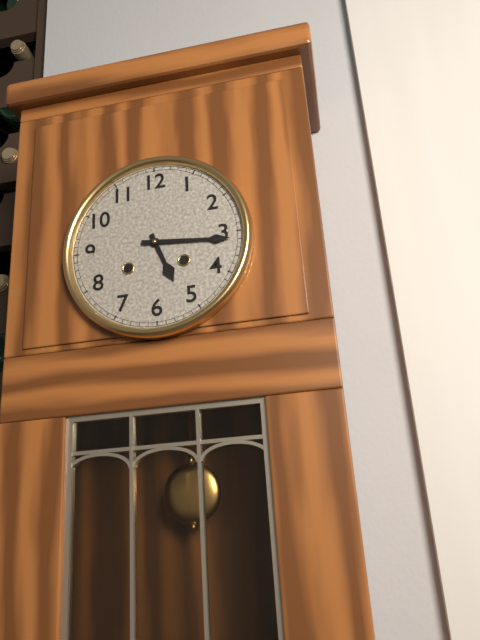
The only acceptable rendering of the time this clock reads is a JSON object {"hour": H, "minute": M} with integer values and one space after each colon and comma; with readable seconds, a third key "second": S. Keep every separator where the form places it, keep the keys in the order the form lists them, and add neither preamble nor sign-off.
{"hour": 5, "minute": 16}
